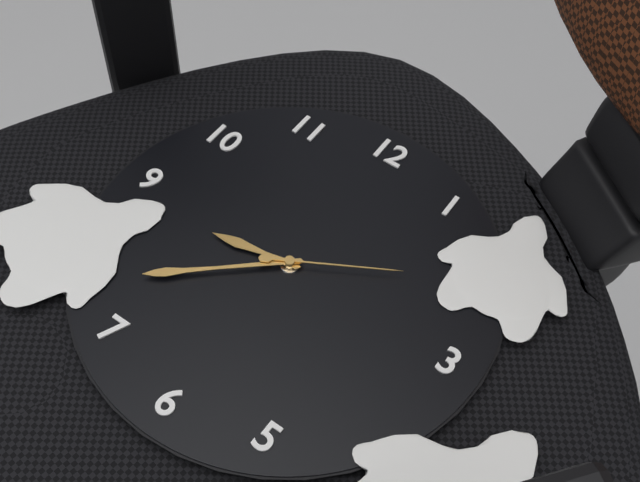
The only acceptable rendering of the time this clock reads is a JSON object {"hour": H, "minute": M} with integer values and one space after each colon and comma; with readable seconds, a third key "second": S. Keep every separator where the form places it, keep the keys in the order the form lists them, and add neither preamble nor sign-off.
{"hour": 8, "minute": 38, "second": 10}
